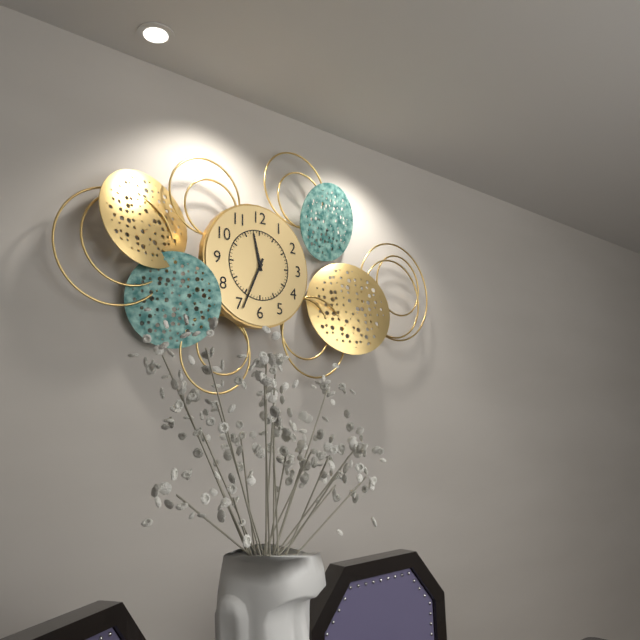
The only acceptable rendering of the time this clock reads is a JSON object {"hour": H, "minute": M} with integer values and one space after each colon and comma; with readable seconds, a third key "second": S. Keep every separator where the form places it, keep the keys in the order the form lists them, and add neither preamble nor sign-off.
{"hour": 11, "minute": 34}
